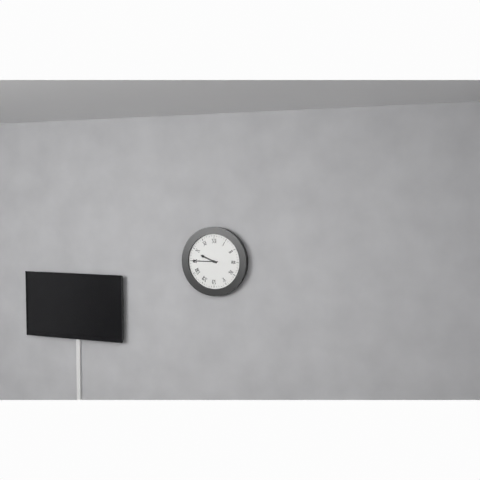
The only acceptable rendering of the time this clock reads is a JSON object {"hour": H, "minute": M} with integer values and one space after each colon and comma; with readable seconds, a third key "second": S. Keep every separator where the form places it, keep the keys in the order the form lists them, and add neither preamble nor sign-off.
{"hour": 9, "minute": 45}
